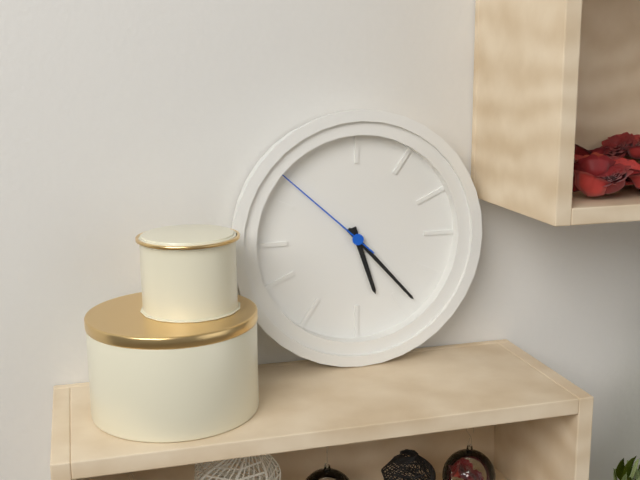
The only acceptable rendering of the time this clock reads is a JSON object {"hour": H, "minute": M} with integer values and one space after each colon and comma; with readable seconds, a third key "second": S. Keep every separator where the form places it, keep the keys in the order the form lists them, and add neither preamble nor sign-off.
{"hour": 5, "minute": 23, "second": 52}
